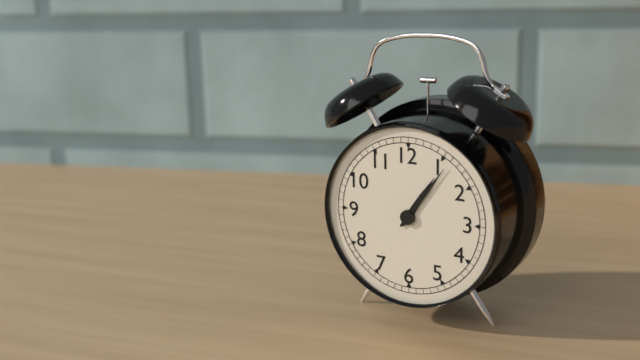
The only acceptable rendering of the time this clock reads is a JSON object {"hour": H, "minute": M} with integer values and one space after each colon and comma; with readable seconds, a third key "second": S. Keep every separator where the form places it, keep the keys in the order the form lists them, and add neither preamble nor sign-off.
{"hour": 1, "minute": 6}
